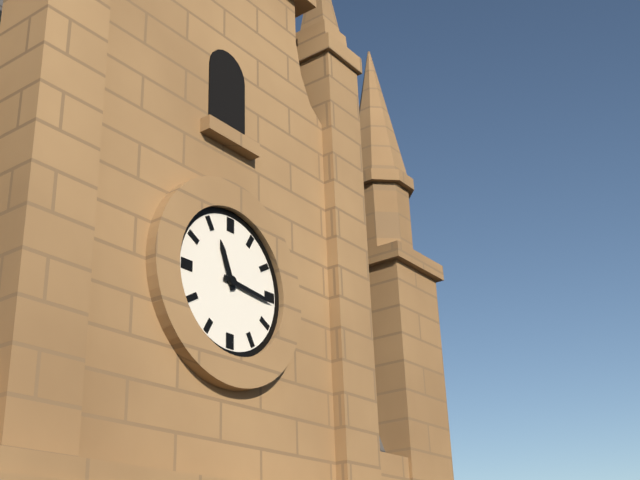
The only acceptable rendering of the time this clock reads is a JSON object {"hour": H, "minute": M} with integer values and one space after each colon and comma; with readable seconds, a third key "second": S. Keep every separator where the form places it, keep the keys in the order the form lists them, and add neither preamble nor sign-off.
{"hour": 11, "minute": 16}
